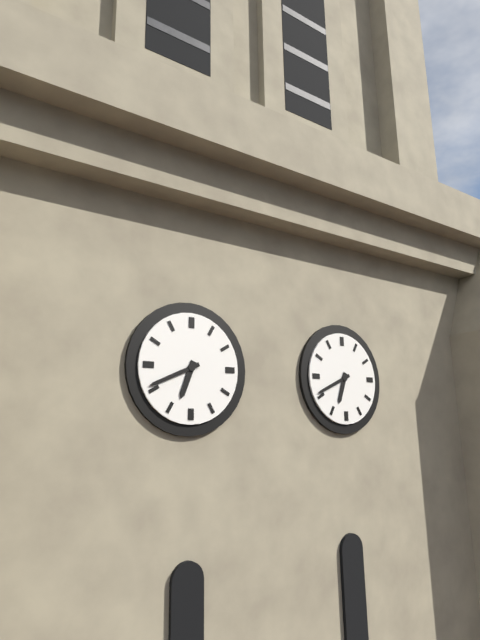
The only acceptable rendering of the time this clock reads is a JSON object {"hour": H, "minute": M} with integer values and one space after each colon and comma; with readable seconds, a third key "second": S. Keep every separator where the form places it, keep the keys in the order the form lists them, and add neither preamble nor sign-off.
{"hour": 6, "minute": 41}
